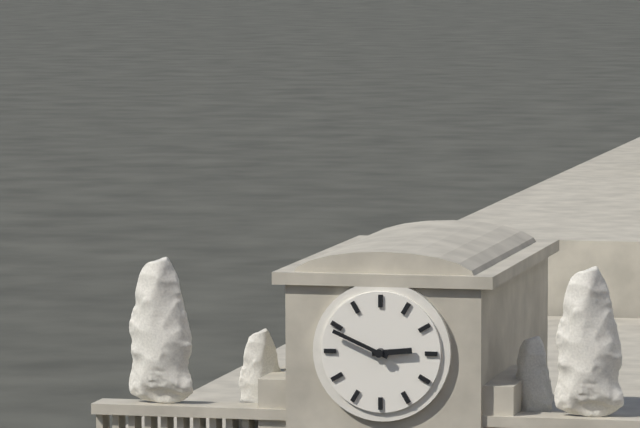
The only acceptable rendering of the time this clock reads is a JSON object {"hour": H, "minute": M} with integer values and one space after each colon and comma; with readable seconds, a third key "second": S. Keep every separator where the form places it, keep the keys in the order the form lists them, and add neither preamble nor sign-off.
{"hour": 2, "minute": 49}
